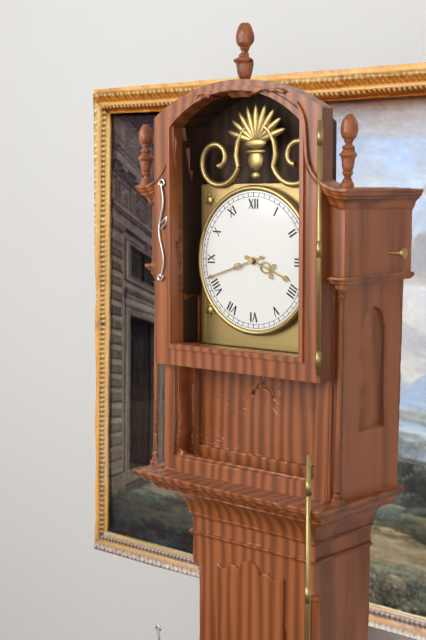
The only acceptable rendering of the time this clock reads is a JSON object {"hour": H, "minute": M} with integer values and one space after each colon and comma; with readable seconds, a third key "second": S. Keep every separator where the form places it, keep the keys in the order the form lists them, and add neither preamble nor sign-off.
{"hour": 3, "minute": 42}
